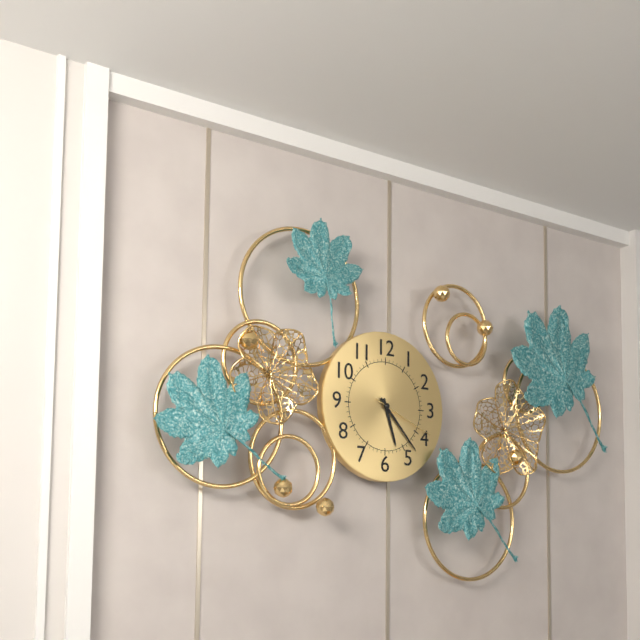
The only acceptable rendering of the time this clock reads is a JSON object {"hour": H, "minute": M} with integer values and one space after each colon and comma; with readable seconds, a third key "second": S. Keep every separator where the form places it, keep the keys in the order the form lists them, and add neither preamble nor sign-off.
{"hour": 5, "minute": 23, "second": 19}
